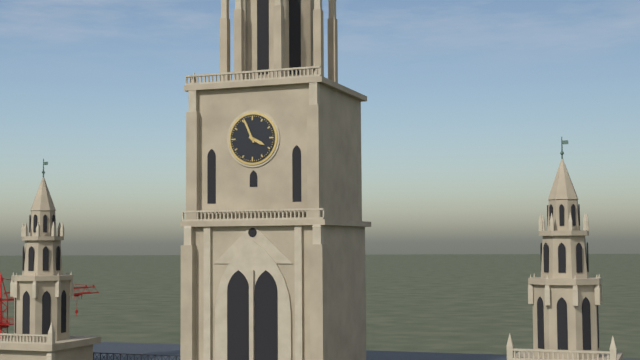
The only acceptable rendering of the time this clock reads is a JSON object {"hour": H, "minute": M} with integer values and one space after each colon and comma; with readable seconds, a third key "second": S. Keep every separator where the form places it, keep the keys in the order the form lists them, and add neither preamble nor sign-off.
{"hour": 3, "minute": 56}
